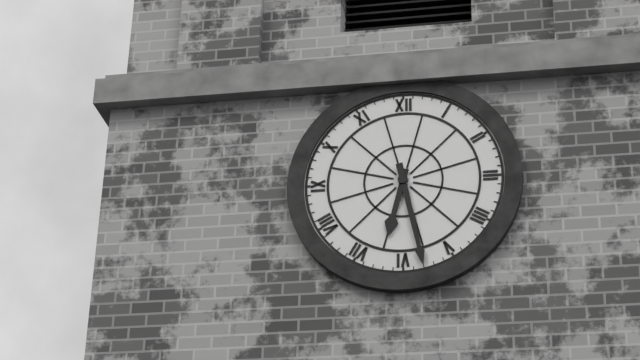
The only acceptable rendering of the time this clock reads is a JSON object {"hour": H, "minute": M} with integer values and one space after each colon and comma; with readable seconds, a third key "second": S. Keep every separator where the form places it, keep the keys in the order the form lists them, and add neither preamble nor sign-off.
{"hour": 6, "minute": 28}
